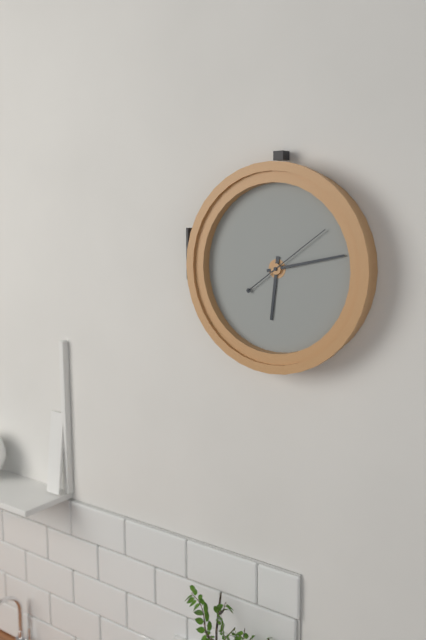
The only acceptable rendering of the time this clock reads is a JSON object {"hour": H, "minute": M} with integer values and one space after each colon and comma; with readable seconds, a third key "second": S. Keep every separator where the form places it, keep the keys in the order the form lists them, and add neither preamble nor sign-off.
{"hour": 6, "minute": 13, "second": 9}
